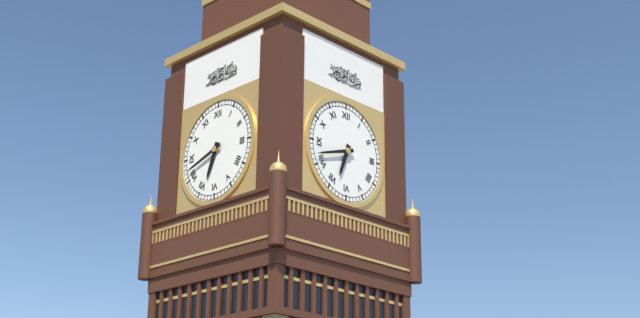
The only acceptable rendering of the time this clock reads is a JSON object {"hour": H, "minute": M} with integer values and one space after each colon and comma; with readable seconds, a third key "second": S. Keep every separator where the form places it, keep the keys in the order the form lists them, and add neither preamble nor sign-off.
{"hour": 6, "minute": 42}
